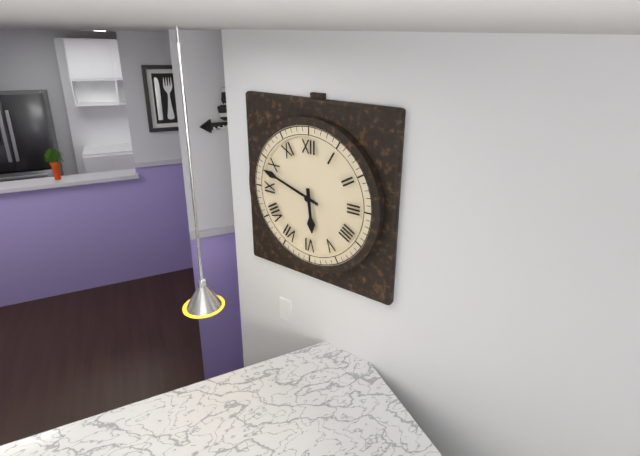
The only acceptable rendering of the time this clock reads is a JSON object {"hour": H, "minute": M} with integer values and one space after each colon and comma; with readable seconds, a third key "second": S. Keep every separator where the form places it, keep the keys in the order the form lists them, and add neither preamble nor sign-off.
{"hour": 5, "minute": 48}
